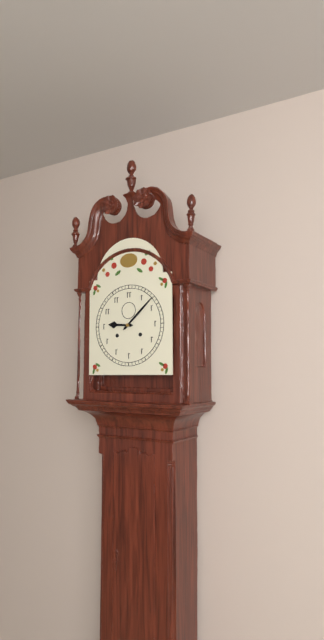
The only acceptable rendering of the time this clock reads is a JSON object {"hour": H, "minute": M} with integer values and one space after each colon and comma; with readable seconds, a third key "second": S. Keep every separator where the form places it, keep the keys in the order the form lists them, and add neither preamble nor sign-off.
{"hour": 9, "minute": 8}
